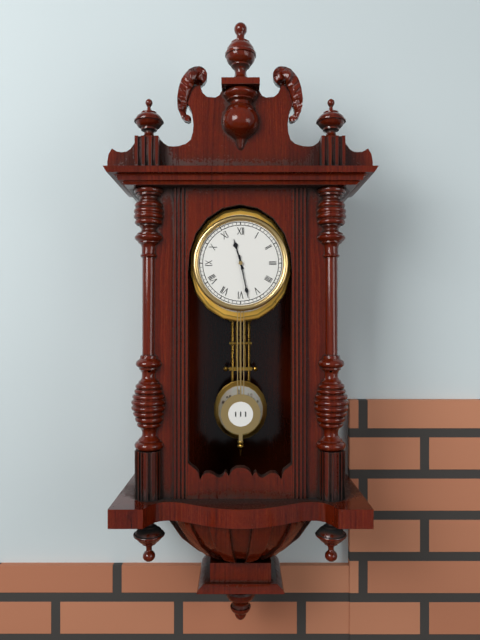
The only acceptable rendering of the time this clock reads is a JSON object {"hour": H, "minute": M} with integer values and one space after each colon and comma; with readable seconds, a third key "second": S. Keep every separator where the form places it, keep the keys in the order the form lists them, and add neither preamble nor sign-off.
{"hour": 11, "minute": 28}
